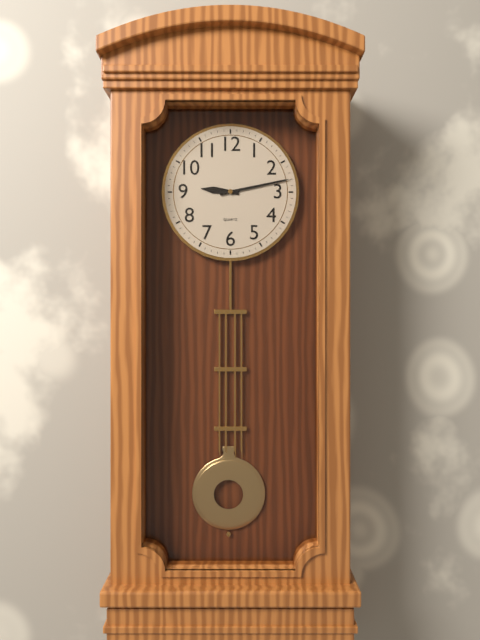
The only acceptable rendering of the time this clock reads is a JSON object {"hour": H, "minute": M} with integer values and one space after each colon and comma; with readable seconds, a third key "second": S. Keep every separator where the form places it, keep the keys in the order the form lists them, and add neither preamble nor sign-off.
{"hour": 9, "minute": 13}
